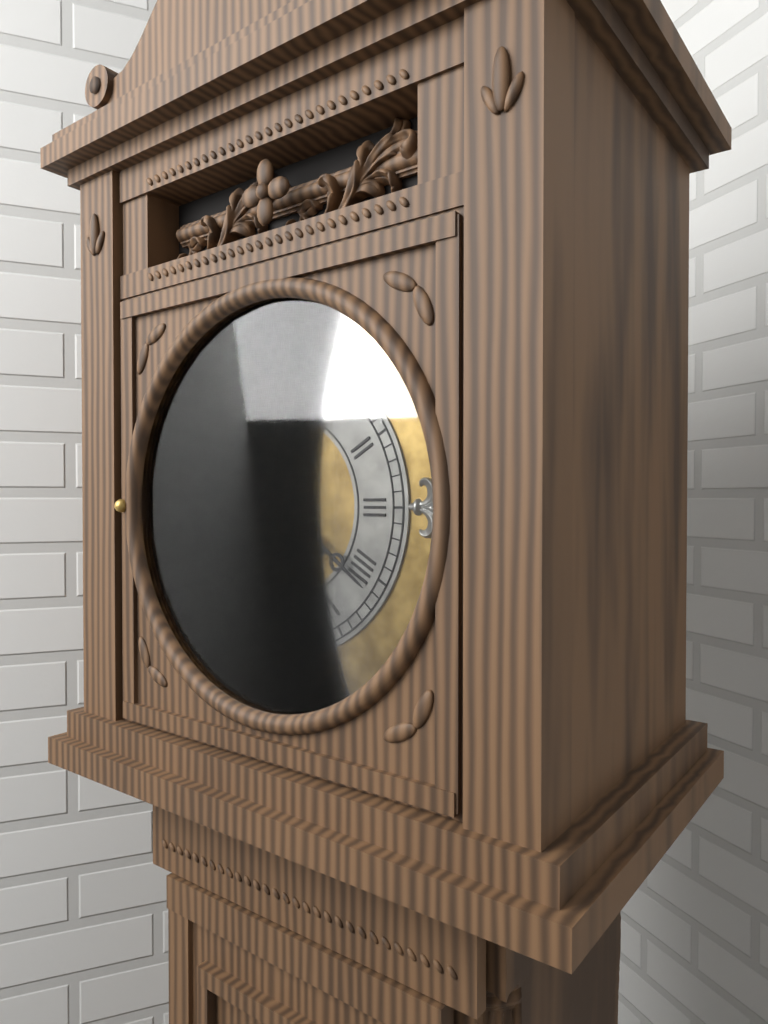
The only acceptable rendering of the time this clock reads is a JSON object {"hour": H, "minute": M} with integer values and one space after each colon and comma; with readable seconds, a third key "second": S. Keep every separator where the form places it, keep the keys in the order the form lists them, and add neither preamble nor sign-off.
{"hour": 5, "minute": 21}
